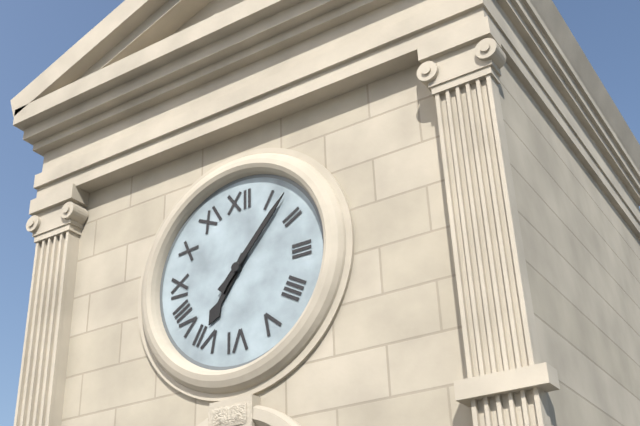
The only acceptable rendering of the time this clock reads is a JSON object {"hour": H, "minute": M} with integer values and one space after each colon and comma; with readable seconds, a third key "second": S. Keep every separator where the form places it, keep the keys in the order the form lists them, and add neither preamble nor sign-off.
{"hour": 7, "minute": 7}
